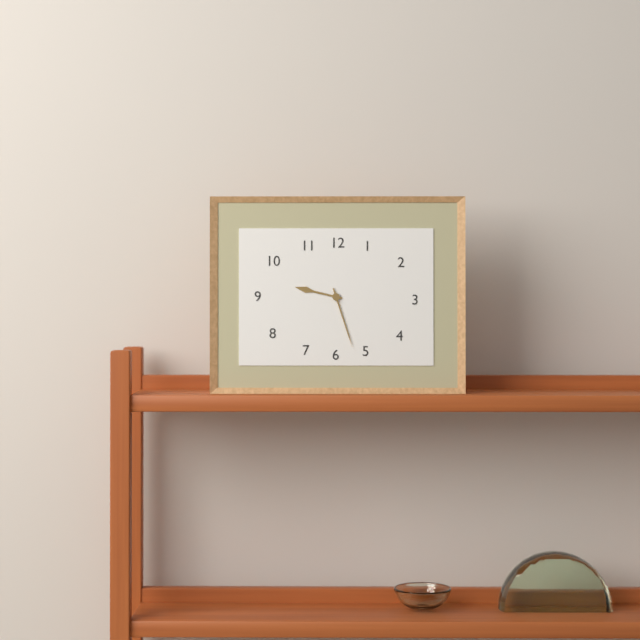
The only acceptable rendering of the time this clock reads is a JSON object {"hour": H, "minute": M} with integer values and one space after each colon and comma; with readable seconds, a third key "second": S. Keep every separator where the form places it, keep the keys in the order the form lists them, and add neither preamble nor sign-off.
{"hour": 9, "minute": 27}
